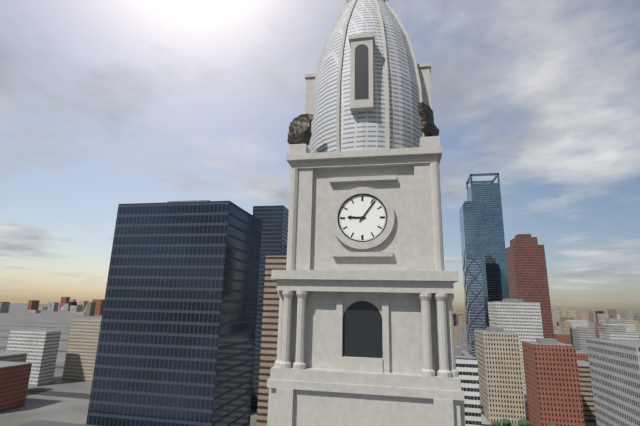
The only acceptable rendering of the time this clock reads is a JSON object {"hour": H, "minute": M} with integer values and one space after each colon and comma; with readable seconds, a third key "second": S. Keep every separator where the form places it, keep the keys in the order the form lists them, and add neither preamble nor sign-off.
{"hour": 9, "minute": 6}
